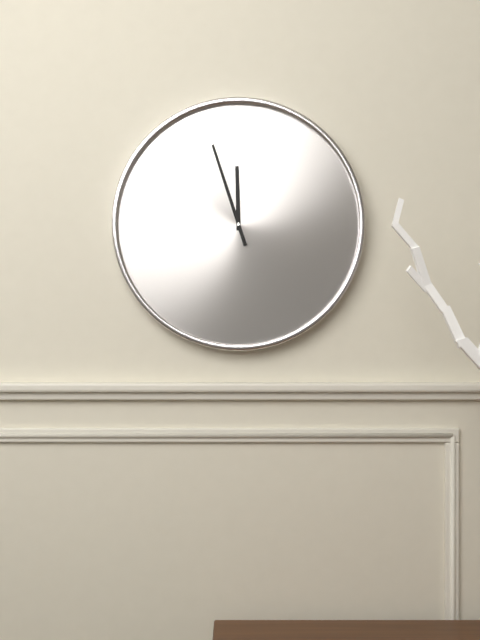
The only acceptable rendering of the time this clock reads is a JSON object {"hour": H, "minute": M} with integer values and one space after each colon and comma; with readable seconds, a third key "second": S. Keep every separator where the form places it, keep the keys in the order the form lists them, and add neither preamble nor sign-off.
{"hour": 11, "minute": 57}
